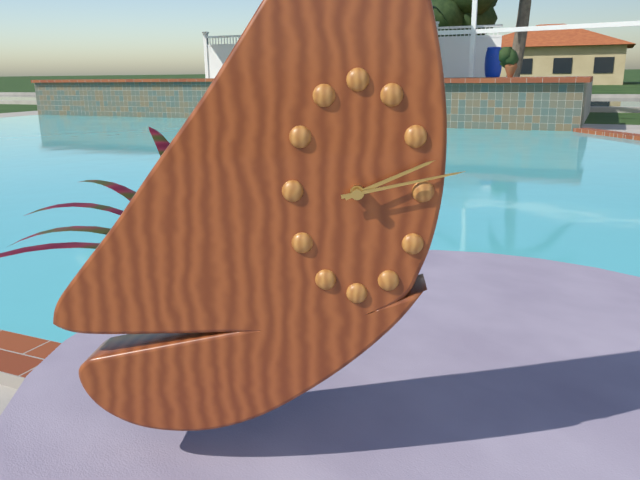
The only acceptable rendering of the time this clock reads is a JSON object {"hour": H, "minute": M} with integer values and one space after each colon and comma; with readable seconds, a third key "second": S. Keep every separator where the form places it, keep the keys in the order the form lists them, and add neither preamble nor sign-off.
{"hour": 2, "minute": 13}
